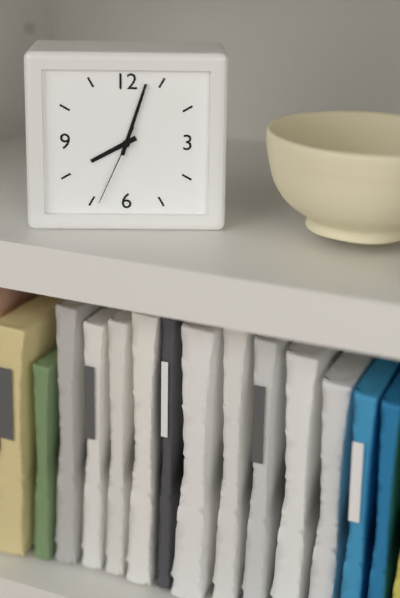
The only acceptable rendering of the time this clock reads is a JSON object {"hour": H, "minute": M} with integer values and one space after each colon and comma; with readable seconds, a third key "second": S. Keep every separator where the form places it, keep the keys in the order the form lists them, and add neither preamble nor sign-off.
{"hour": 8, "minute": 3, "second": 34}
